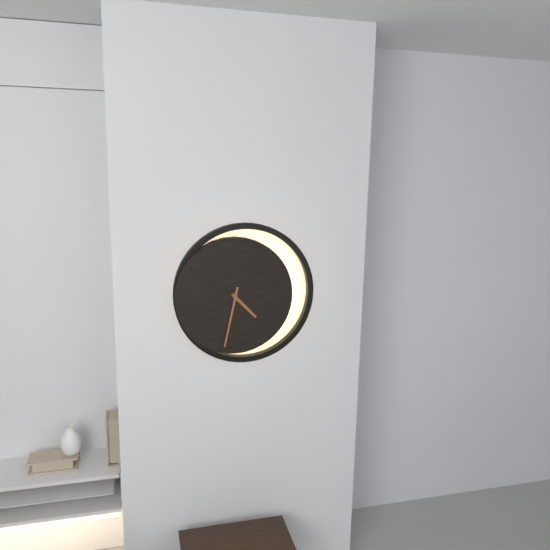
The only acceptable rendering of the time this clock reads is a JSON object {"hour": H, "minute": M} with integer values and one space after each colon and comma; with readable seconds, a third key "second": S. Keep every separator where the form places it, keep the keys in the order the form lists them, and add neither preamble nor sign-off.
{"hour": 4, "minute": 32}
